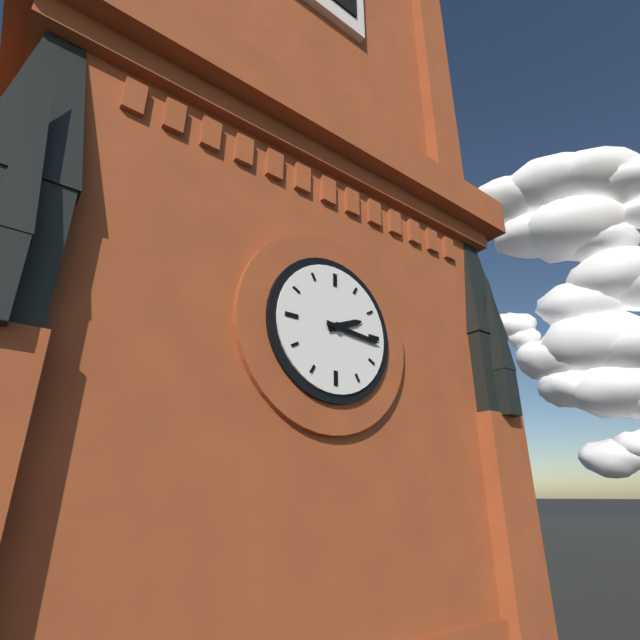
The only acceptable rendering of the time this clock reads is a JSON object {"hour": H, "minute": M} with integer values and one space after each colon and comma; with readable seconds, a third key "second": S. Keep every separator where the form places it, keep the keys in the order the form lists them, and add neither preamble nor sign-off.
{"hour": 2, "minute": 16}
